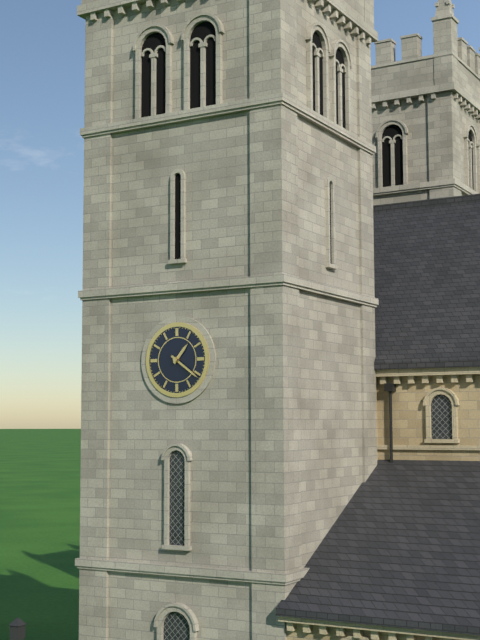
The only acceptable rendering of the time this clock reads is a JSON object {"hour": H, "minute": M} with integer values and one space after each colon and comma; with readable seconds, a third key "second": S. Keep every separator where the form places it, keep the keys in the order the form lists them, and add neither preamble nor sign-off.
{"hour": 1, "minute": 21}
